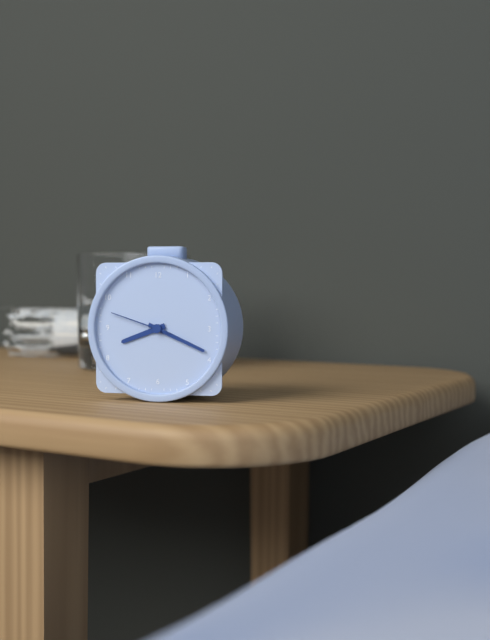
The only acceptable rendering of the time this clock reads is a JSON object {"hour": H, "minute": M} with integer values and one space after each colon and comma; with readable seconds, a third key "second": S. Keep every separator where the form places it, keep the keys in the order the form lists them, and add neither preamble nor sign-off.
{"hour": 8, "minute": 19, "second": 48}
